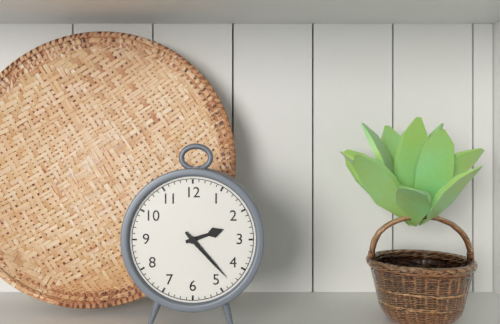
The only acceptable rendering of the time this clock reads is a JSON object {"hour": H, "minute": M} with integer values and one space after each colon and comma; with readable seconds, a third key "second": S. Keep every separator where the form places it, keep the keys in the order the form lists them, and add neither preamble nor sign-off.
{"hour": 2, "minute": 23}
